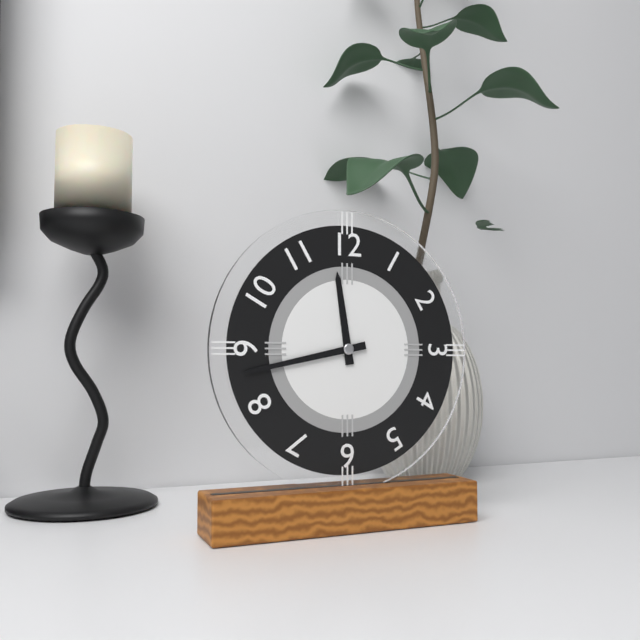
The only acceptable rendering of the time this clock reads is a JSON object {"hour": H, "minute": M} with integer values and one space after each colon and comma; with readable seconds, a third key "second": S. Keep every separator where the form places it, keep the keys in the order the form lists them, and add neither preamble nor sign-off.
{"hour": 11, "minute": 43}
